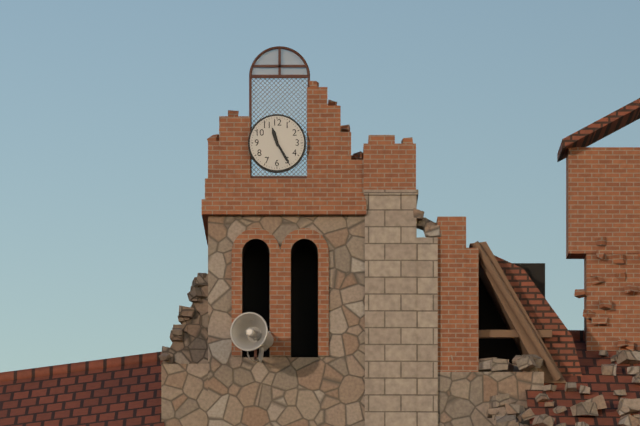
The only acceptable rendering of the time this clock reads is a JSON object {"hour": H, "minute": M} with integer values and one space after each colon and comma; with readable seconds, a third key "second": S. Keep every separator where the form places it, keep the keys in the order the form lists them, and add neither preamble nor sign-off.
{"hour": 11, "minute": 25}
